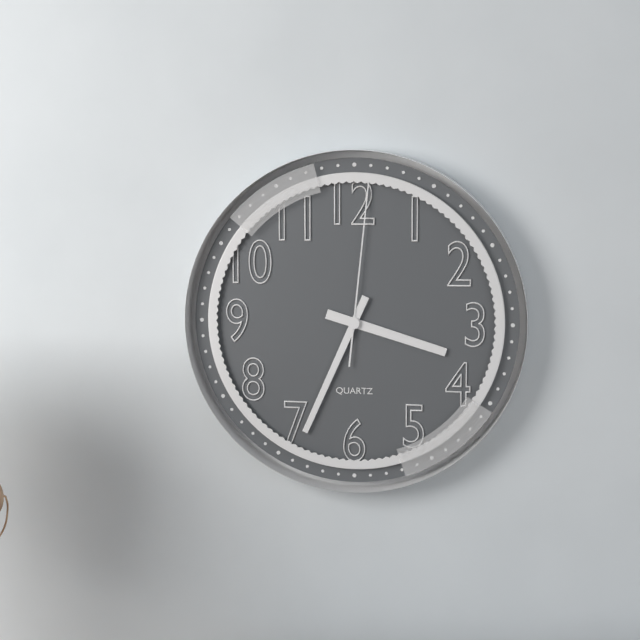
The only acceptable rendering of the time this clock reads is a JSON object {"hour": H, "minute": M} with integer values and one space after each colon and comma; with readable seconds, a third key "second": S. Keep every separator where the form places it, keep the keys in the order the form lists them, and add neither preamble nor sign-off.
{"hour": 3, "minute": 34, "second": 1}
